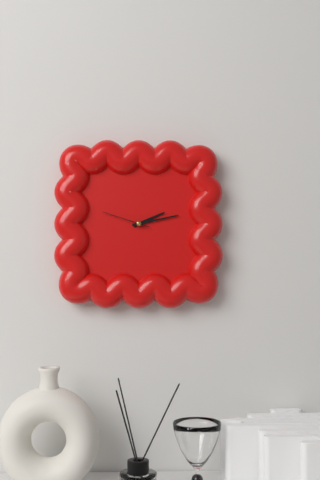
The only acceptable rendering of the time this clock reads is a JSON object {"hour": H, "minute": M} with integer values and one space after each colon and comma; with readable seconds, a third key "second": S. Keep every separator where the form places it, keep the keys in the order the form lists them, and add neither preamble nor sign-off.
{"hour": 2, "minute": 13}
